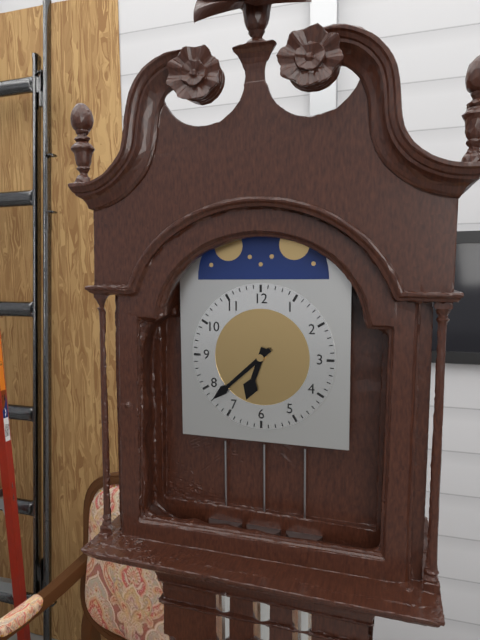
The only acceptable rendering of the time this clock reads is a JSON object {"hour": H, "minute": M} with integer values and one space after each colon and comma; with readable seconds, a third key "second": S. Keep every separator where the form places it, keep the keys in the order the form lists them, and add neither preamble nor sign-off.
{"hour": 6, "minute": 38}
